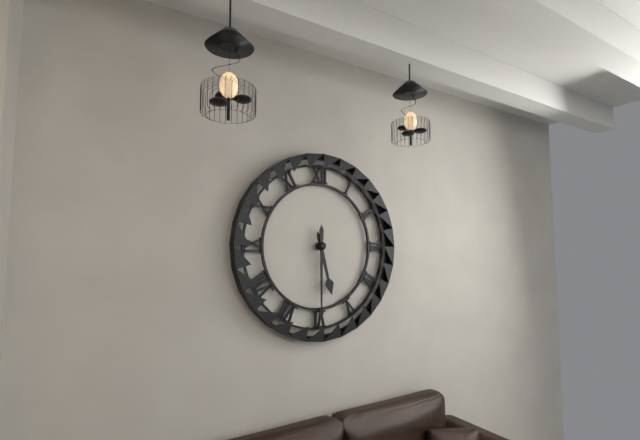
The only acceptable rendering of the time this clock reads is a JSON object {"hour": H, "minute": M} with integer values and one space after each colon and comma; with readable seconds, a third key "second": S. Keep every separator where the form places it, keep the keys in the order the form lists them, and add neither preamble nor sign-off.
{"hour": 5, "minute": 30}
